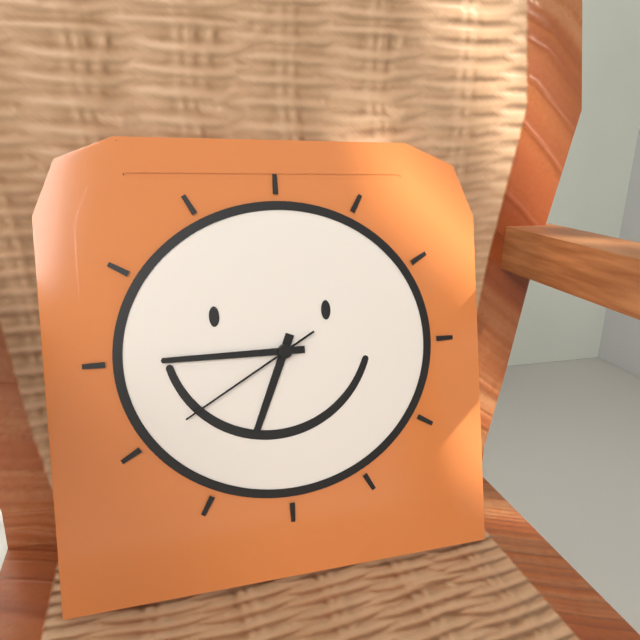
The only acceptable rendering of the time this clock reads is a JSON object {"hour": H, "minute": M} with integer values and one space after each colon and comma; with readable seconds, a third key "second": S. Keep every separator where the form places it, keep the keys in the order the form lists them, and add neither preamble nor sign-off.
{"hour": 6, "minute": 45, "second": 40}
